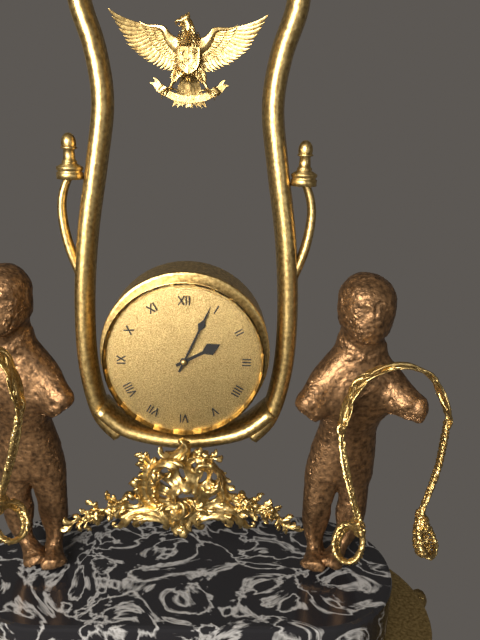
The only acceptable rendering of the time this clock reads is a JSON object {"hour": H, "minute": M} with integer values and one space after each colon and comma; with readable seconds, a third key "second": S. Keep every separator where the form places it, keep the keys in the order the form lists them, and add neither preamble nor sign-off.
{"hour": 2, "minute": 4}
